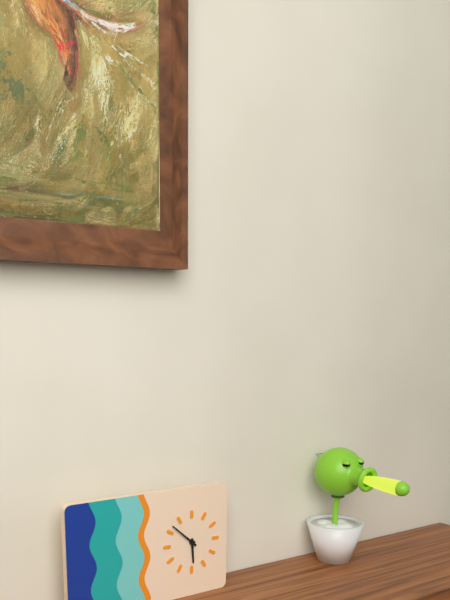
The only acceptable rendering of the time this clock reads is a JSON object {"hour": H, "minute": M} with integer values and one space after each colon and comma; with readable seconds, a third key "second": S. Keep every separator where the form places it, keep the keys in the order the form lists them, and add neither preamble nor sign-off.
{"hour": 5, "minute": 52}
